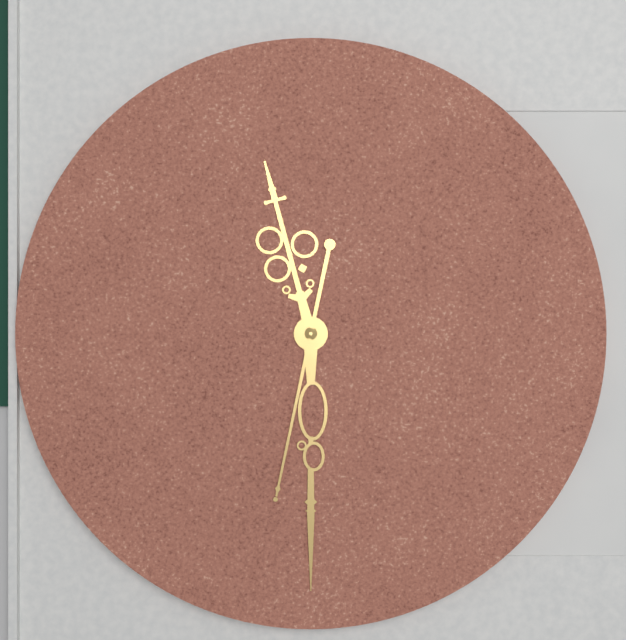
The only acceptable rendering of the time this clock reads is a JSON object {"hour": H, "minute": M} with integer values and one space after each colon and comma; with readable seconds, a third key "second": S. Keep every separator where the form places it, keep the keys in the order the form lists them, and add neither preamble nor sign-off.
{"hour": 11, "minute": 30, "second": 32}
